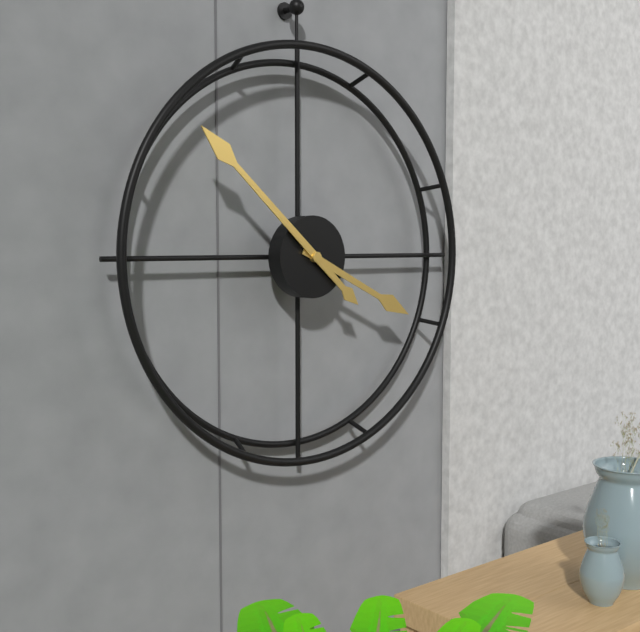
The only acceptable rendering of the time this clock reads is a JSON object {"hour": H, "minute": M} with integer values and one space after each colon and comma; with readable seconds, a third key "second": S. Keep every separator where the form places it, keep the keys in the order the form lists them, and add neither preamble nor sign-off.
{"hour": 3, "minute": 52}
